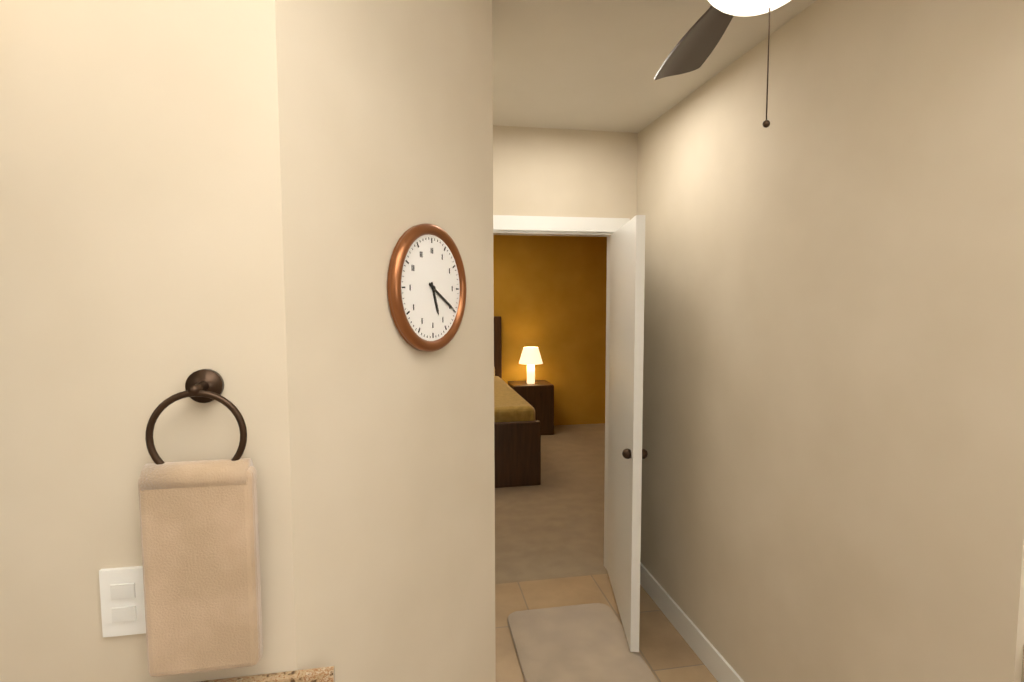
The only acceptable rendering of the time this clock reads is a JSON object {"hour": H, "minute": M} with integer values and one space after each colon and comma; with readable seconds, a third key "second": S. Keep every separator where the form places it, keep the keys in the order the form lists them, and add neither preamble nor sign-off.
{"hour": 5, "minute": 20}
